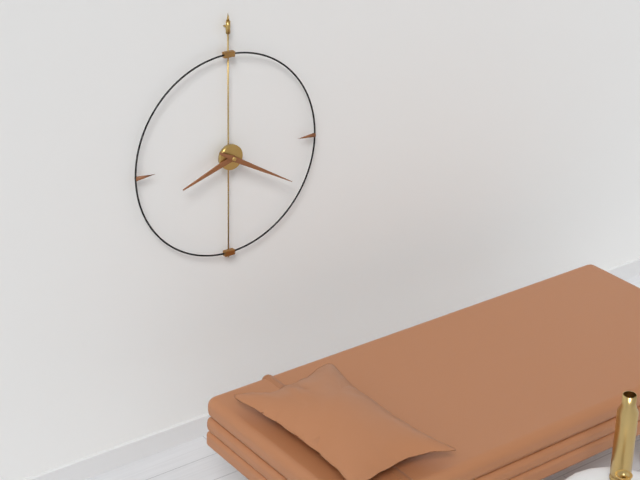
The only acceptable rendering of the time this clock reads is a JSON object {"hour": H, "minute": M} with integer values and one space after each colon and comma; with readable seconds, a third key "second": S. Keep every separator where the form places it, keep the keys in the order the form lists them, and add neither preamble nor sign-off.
{"hour": 8, "minute": 20}
